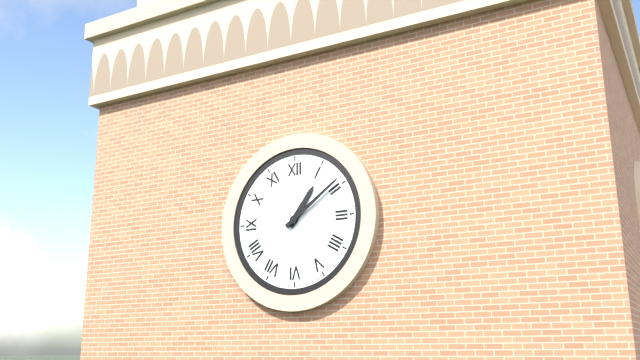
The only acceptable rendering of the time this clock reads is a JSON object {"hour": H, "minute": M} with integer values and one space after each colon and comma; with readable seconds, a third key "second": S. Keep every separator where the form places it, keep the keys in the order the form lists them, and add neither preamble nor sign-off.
{"hour": 1, "minute": 9}
